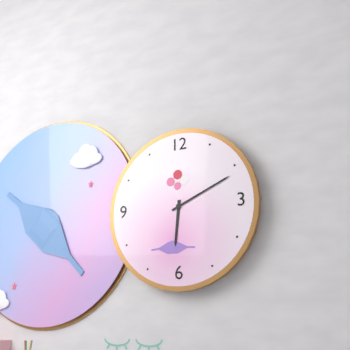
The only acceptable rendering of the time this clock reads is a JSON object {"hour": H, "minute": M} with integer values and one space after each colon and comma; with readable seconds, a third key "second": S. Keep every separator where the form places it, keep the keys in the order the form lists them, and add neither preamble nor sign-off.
{"hour": 6, "minute": 11}
